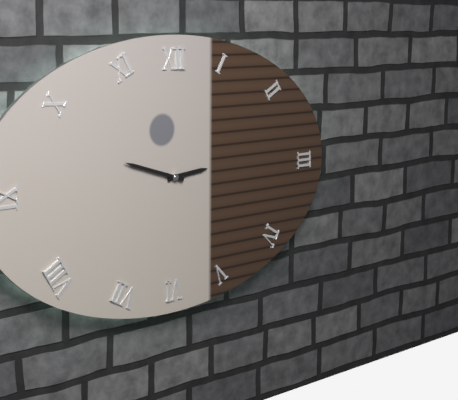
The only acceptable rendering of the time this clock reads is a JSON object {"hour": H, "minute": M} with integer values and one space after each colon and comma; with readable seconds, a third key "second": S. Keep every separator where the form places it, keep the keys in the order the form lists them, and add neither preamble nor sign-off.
{"hour": 2, "minute": 48}
